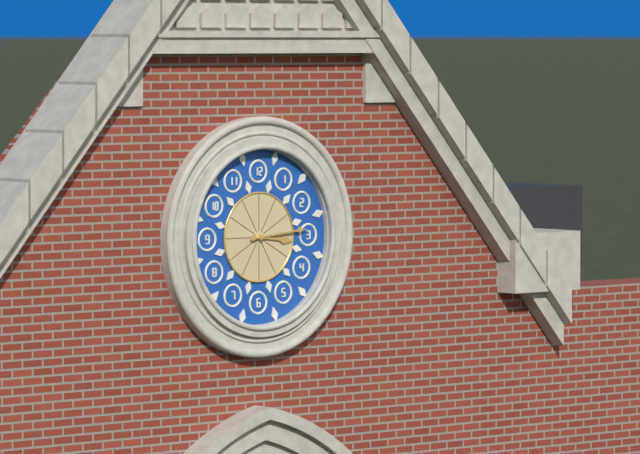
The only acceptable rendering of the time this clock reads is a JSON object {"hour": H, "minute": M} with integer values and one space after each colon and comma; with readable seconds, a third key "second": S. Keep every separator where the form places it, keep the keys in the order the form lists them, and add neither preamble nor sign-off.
{"hour": 3, "minute": 14}
